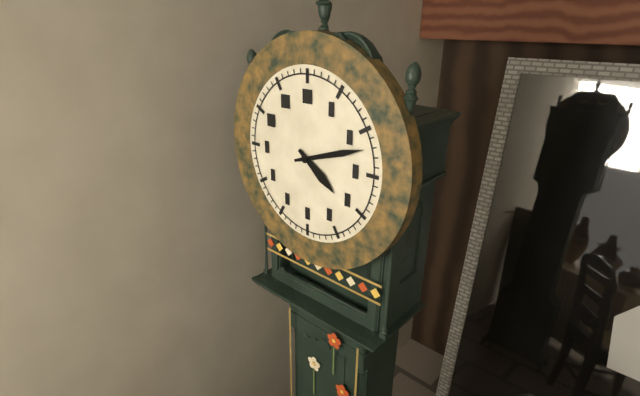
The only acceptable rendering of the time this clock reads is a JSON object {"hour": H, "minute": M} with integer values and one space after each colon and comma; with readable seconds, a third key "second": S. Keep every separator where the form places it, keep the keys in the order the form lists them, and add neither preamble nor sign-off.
{"hour": 4, "minute": 12}
